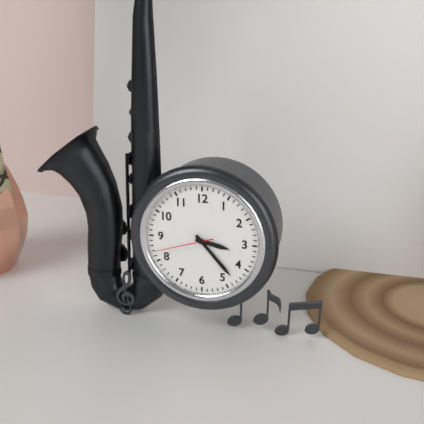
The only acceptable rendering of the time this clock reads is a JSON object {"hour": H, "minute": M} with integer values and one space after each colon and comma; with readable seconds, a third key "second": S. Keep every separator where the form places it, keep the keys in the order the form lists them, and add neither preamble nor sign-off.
{"hour": 3, "minute": 23, "second": 42}
